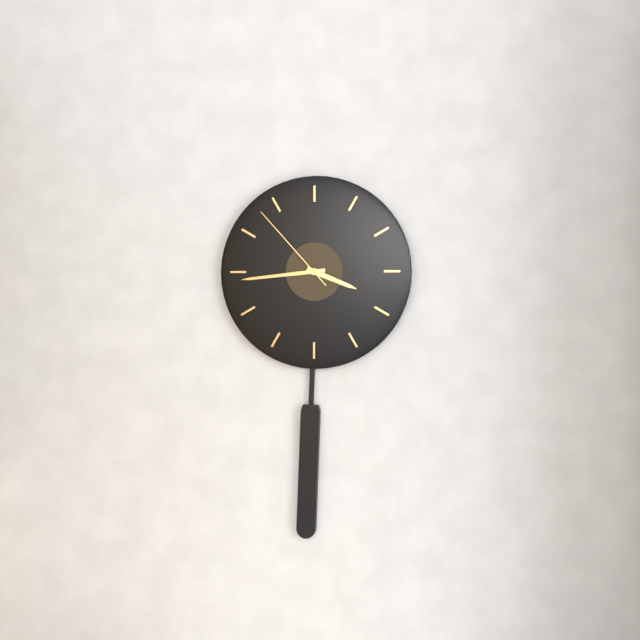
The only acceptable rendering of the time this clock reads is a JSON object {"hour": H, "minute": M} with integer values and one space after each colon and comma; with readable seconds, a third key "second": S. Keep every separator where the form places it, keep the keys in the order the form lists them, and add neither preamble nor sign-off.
{"hour": 3, "minute": 44, "second": 53}
